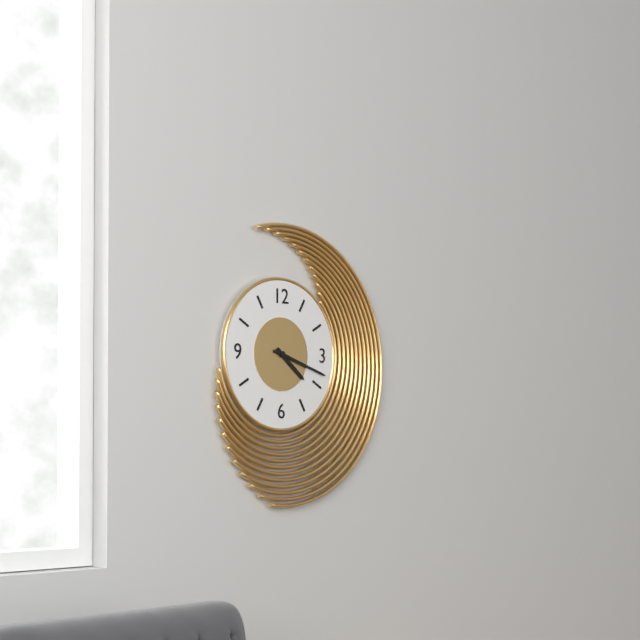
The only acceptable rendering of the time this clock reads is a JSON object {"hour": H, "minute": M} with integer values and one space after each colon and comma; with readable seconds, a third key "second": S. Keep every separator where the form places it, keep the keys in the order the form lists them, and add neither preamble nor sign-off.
{"hour": 4, "minute": 18}
